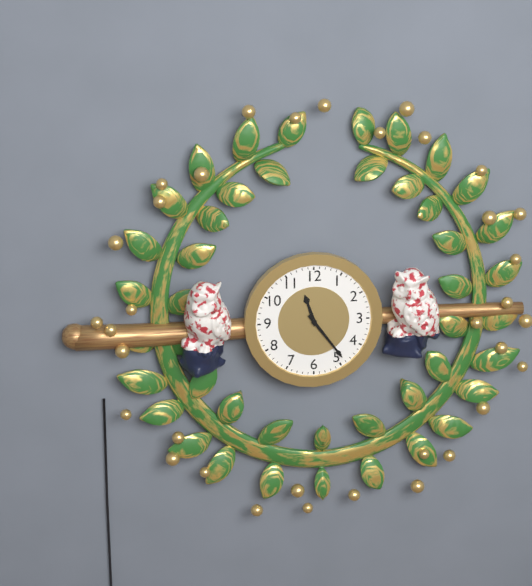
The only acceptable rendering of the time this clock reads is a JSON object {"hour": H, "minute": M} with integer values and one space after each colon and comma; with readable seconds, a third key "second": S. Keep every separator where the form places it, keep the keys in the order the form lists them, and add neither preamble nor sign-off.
{"hour": 11, "minute": 24}
